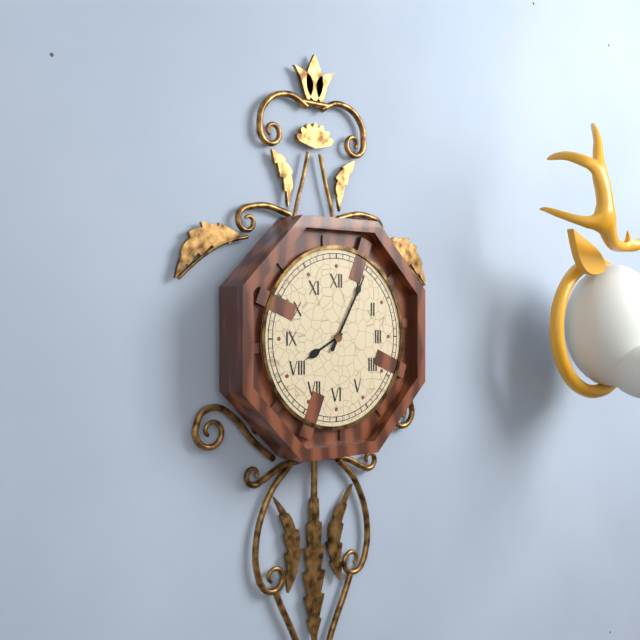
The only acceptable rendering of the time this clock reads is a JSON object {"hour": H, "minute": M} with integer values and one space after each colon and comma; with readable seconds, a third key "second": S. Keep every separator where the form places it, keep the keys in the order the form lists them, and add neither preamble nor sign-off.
{"hour": 8, "minute": 5}
